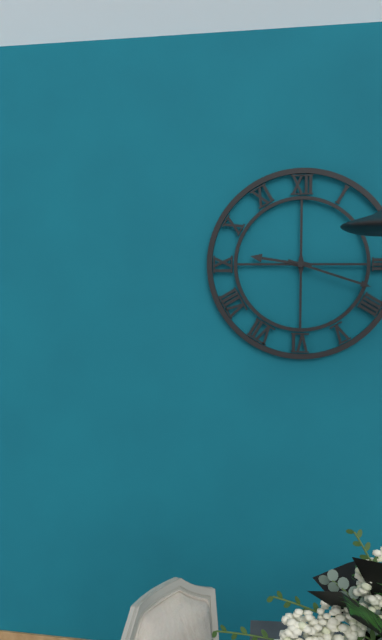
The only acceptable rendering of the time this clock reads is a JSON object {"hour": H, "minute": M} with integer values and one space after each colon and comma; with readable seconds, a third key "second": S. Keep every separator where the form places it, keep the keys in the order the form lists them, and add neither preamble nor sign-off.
{"hour": 9, "minute": 18}
